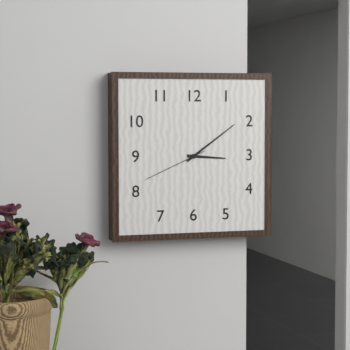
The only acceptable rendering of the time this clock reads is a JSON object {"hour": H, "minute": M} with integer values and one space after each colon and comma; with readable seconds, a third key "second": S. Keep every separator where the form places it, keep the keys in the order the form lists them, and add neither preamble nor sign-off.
{"hour": 3, "minute": 9, "second": 41}
